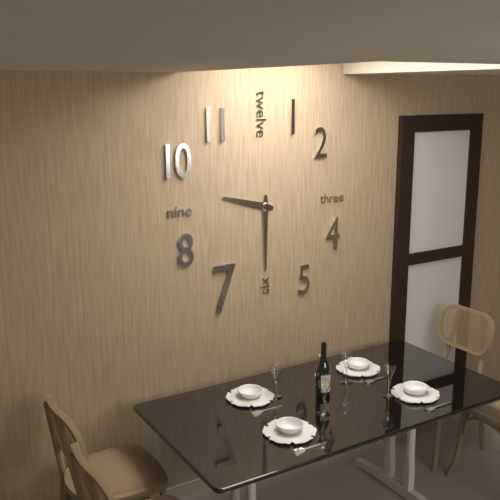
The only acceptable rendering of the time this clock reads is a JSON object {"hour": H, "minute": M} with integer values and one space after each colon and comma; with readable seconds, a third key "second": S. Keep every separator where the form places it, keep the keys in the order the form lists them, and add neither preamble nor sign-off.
{"hour": 9, "minute": 30}
